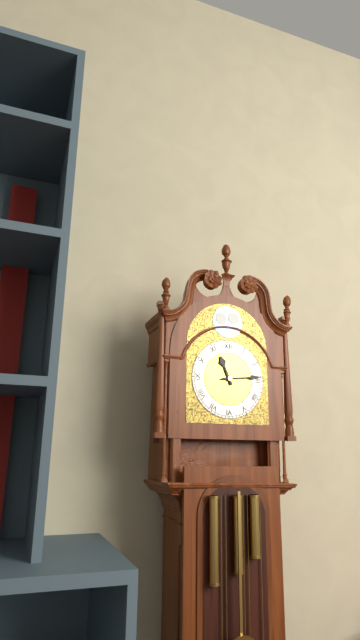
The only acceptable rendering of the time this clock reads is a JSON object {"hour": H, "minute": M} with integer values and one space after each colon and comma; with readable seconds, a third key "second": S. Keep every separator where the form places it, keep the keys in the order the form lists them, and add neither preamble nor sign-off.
{"hour": 11, "minute": 14}
